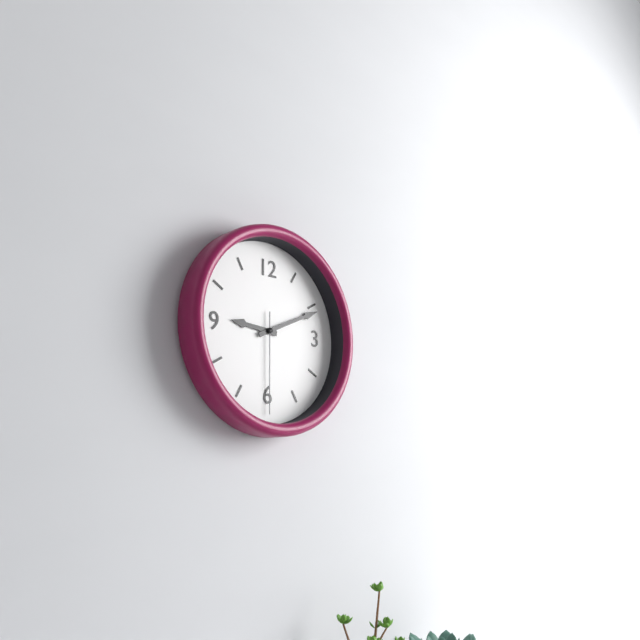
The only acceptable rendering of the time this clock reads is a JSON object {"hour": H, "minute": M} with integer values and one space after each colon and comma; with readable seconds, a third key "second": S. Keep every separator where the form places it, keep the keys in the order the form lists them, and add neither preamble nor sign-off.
{"hour": 9, "minute": 11, "second": 30}
